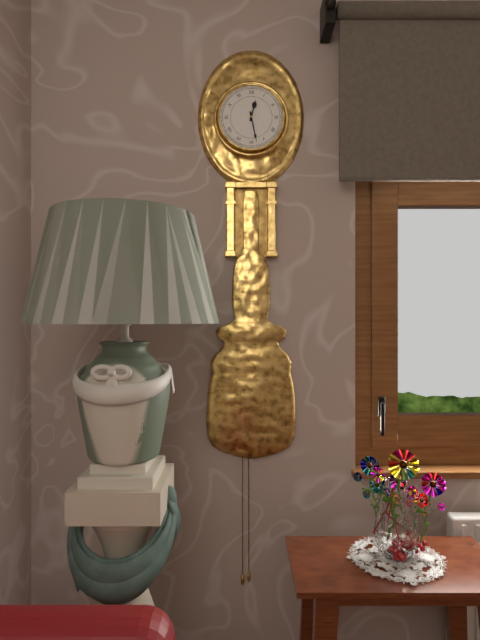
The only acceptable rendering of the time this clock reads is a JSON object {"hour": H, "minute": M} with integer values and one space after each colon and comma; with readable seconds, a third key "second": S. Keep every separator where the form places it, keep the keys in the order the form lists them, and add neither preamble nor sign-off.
{"hour": 12, "minute": 28}
